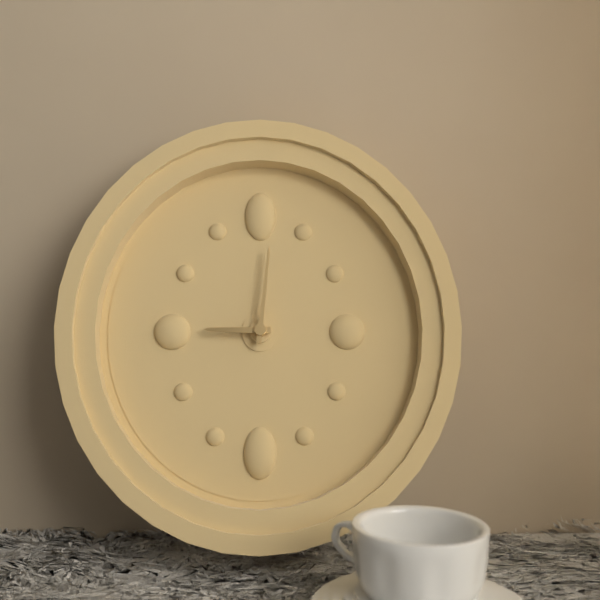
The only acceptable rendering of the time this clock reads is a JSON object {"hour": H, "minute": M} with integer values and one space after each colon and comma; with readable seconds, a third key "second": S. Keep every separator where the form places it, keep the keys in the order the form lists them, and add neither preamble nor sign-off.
{"hour": 9, "minute": 1}
